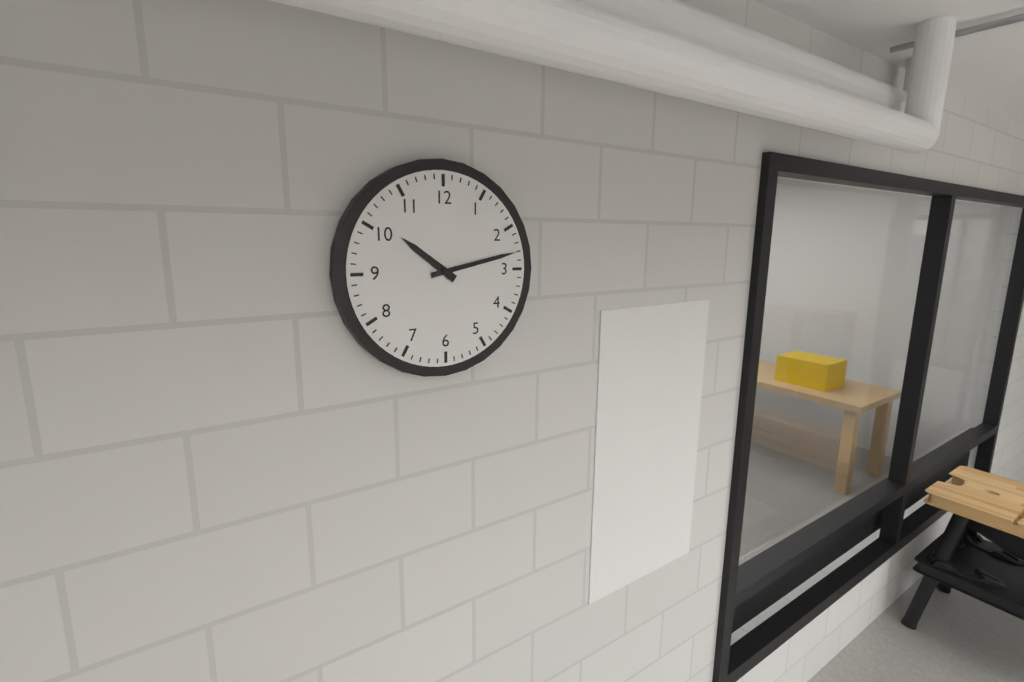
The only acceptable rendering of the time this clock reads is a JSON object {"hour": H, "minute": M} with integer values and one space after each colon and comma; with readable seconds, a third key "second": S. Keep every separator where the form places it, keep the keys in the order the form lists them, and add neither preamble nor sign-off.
{"hour": 10, "minute": 13}
